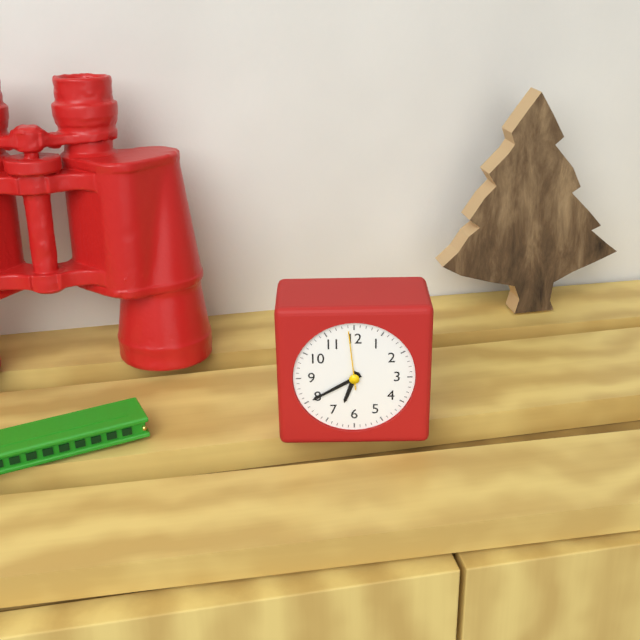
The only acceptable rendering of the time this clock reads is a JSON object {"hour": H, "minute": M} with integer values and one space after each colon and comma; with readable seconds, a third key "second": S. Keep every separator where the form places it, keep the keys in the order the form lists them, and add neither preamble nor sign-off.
{"hour": 6, "minute": 40, "second": 59}
